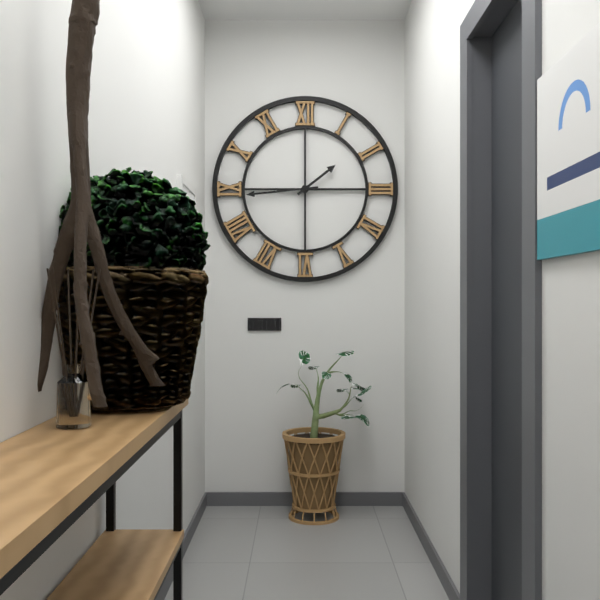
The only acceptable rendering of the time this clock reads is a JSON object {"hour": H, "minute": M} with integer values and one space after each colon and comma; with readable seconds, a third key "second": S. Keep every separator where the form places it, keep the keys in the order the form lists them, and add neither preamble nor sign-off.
{"hour": 1, "minute": 44}
